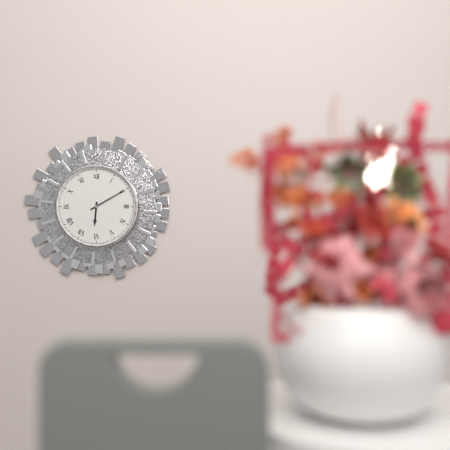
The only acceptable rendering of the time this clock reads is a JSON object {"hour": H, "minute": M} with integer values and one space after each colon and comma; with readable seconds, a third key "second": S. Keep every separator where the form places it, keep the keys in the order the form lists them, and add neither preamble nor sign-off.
{"hour": 6, "minute": 10}
